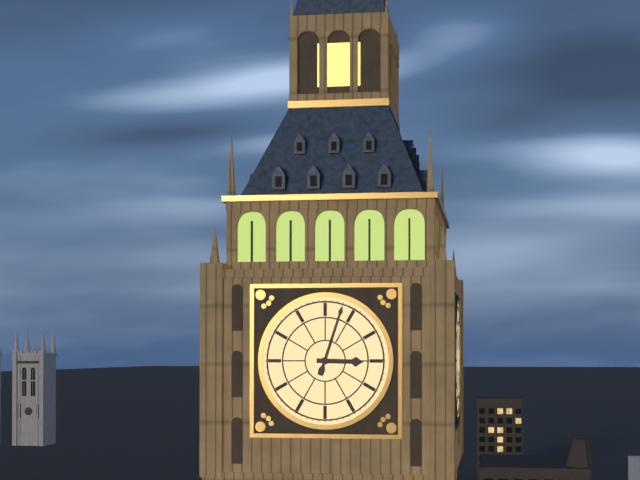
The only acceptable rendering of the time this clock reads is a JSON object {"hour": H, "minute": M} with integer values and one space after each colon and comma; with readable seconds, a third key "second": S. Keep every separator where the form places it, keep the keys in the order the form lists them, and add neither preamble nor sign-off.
{"hour": 3, "minute": 3}
